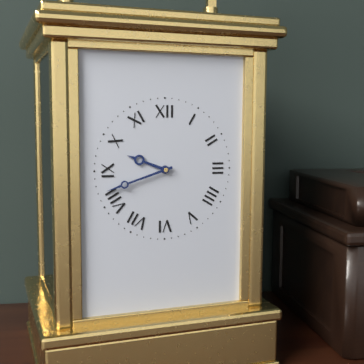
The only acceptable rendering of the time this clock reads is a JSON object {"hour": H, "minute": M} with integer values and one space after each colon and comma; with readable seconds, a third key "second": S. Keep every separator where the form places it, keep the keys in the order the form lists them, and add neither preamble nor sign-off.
{"hour": 9, "minute": 42}
